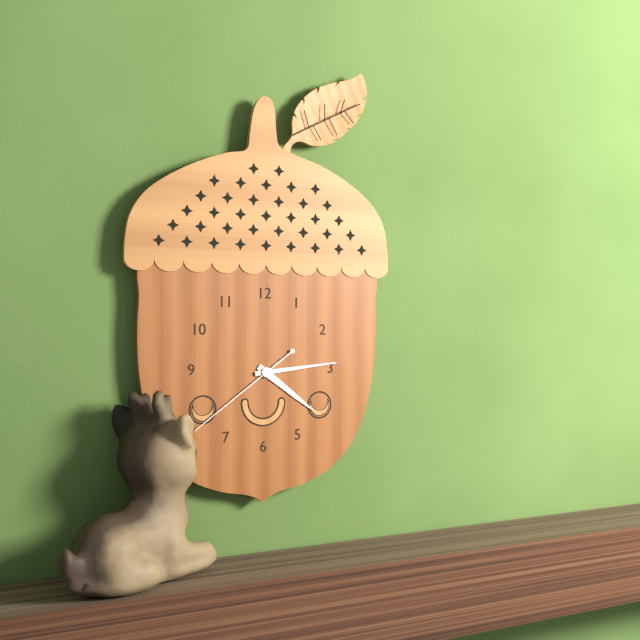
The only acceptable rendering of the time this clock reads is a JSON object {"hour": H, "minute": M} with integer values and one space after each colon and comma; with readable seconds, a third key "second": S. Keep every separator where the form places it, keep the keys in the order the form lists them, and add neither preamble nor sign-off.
{"hour": 4, "minute": 14, "second": 39}
